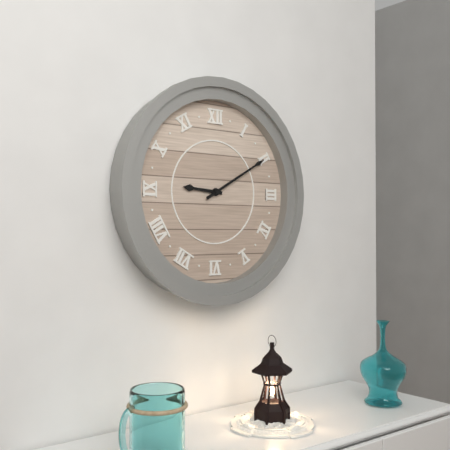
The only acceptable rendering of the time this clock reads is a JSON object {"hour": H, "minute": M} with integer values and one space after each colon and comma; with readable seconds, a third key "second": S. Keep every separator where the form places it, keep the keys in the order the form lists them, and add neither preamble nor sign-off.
{"hour": 9, "minute": 10}
